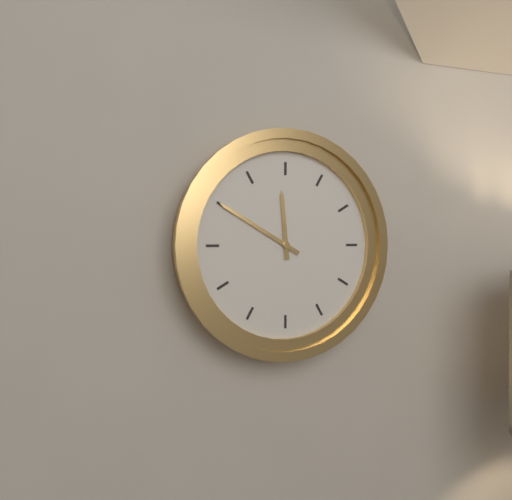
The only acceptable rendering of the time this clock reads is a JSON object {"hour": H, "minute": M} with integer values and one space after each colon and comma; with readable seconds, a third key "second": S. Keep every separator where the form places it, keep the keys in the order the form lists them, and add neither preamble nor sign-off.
{"hour": 11, "minute": 50}
